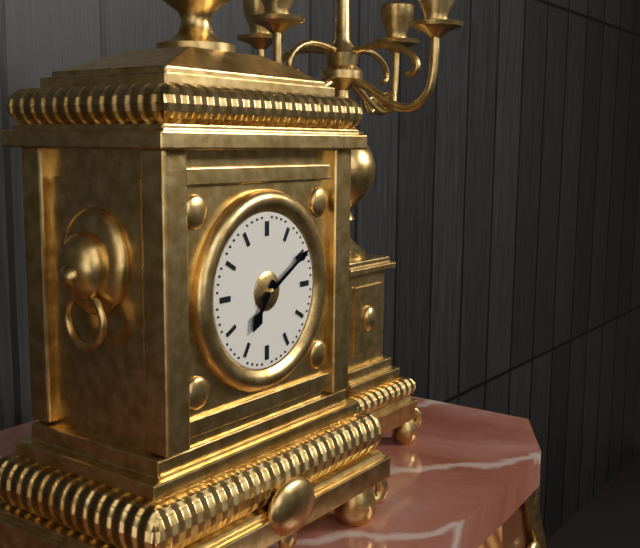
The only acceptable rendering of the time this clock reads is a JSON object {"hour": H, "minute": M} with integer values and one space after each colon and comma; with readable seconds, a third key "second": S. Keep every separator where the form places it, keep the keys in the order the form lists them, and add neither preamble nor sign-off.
{"hour": 7, "minute": 10}
